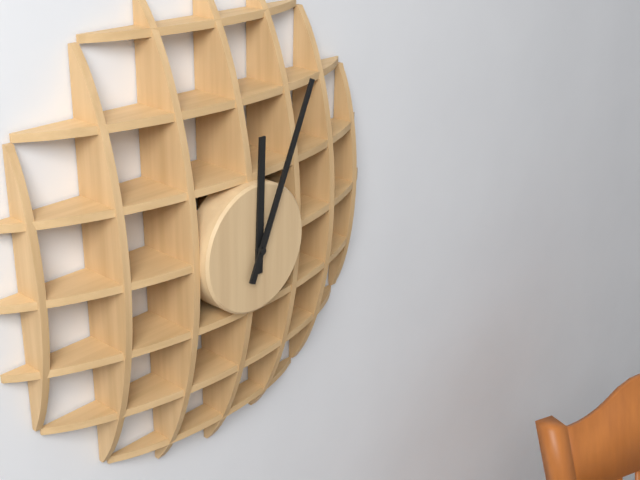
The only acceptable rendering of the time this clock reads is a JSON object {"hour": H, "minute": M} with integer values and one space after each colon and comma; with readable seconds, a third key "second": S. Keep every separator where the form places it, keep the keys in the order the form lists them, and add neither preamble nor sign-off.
{"hour": 12, "minute": 4}
